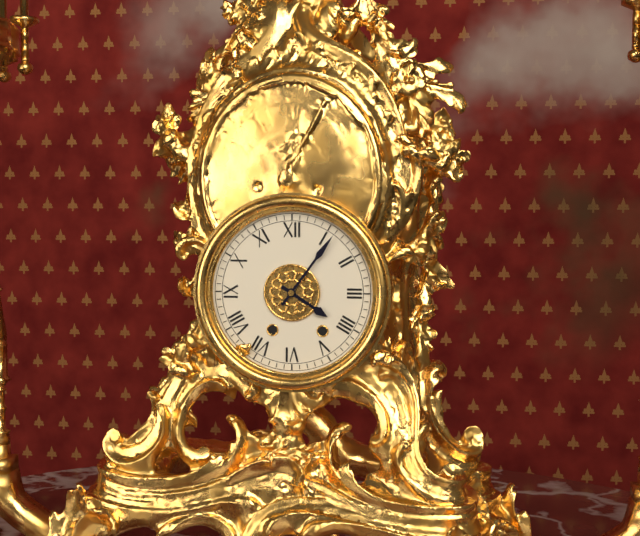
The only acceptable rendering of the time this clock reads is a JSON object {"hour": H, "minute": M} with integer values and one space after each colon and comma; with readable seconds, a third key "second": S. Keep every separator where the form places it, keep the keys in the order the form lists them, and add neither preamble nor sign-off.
{"hour": 4, "minute": 6}
